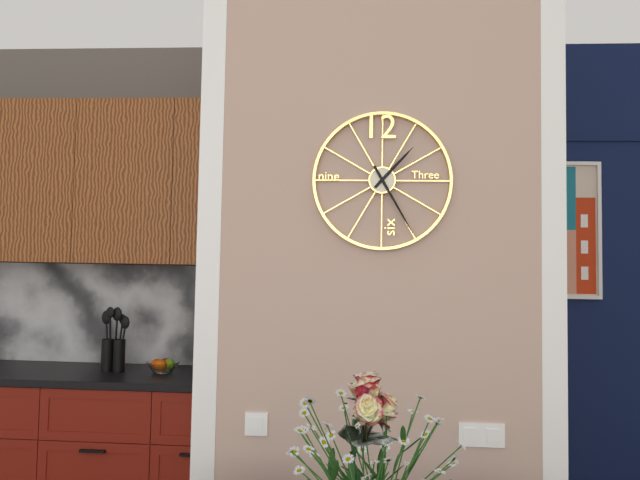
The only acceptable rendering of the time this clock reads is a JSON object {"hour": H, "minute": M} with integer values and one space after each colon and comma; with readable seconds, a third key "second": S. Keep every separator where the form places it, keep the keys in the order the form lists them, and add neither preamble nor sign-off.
{"hour": 1, "minute": 25}
